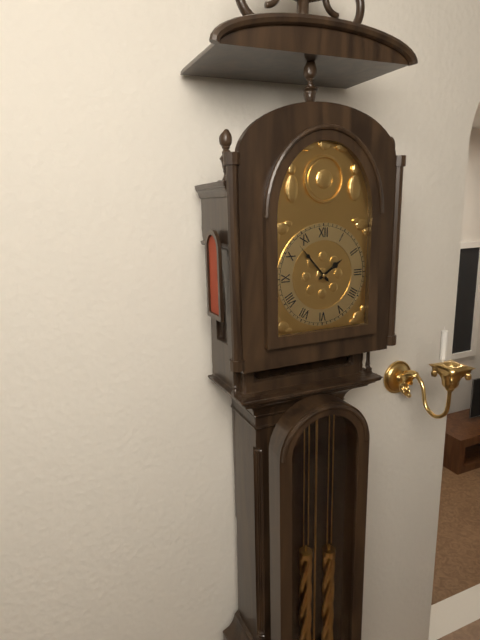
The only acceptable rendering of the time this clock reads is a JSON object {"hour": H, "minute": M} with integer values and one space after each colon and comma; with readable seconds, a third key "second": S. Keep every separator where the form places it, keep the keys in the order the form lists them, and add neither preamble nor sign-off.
{"hour": 1, "minute": 53}
